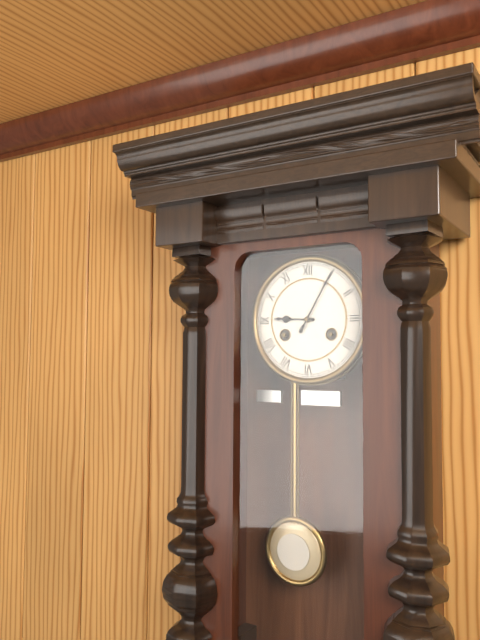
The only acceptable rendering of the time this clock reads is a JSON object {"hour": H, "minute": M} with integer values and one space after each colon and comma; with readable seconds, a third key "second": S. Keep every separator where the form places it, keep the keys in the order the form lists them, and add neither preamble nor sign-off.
{"hour": 9, "minute": 5}
